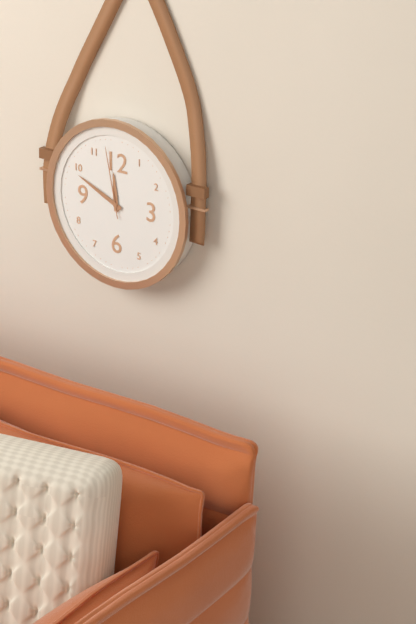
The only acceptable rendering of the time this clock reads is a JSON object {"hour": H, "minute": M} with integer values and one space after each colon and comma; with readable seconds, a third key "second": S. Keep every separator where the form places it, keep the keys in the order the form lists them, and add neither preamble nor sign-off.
{"hour": 11, "minute": 49, "second": 58}
